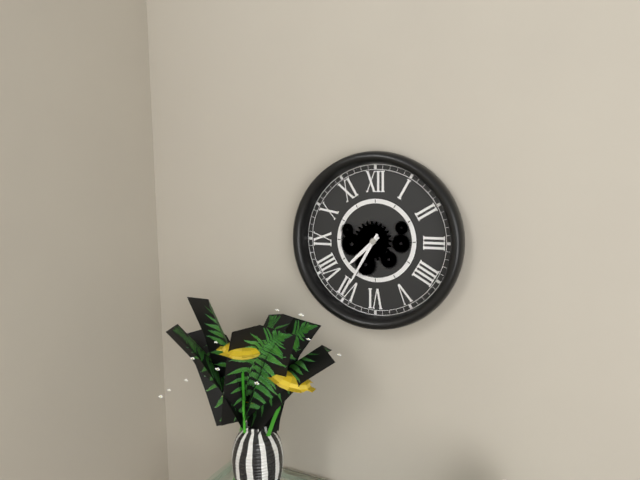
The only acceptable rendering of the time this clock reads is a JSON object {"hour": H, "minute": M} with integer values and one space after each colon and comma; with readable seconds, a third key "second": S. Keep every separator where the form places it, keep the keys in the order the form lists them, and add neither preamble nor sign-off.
{"hour": 7, "minute": 35}
